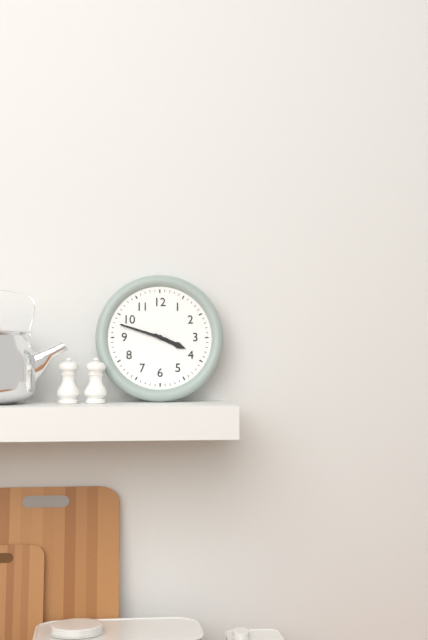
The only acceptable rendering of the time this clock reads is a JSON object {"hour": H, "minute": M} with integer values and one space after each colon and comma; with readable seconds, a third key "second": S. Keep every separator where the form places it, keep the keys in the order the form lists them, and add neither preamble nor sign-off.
{"hour": 3, "minute": 48}
